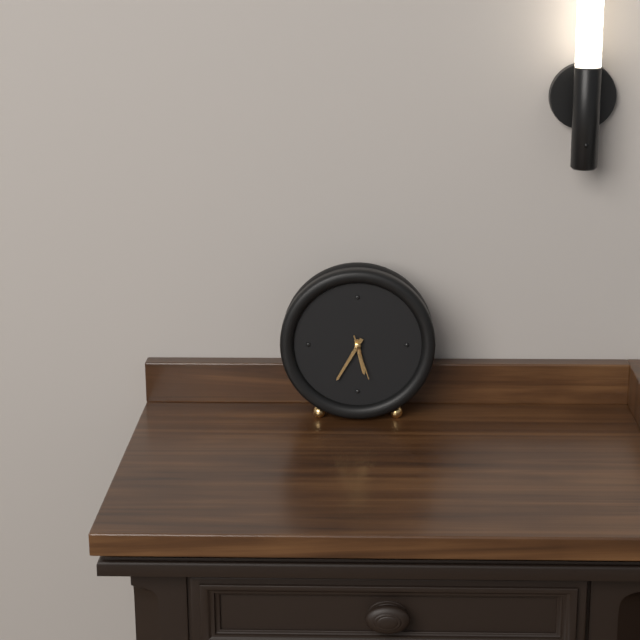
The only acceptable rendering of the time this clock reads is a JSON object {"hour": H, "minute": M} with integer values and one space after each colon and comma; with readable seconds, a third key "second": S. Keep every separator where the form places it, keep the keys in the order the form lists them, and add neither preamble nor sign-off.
{"hour": 5, "minute": 35}
